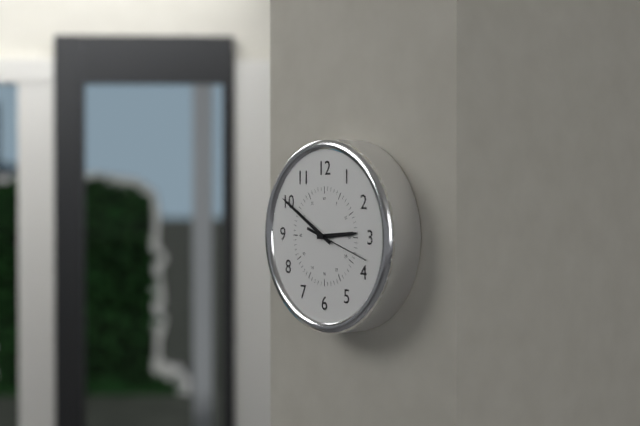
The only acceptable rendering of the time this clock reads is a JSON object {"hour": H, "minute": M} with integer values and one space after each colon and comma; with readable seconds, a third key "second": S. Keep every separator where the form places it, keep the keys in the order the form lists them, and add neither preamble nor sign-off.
{"hour": 2, "minute": 50, "second": 18}
